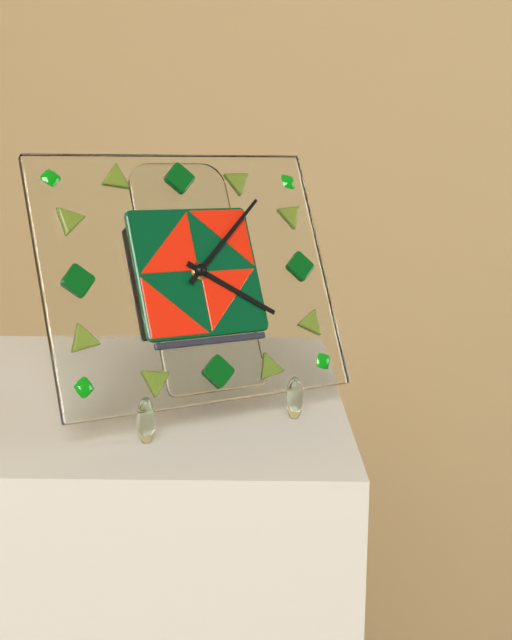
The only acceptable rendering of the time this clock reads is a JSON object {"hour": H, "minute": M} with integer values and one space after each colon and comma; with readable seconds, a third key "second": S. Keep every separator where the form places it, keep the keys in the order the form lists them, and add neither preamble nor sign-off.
{"hour": 4, "minute": 8}
